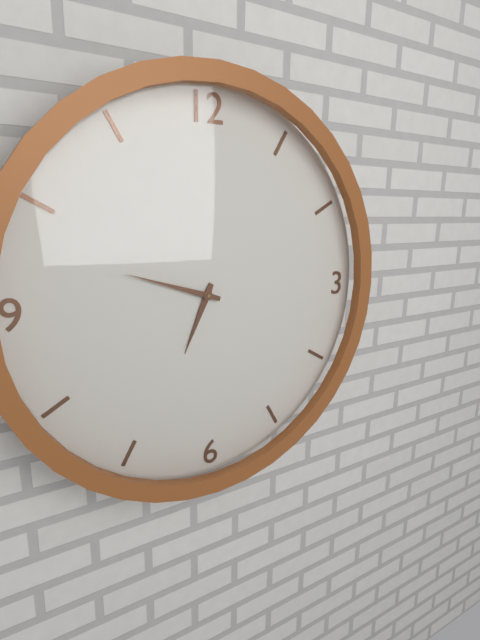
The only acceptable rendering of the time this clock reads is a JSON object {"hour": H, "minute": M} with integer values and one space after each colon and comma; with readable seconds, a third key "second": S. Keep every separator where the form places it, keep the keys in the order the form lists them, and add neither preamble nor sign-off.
{"hour": 6, "minute": 48}
